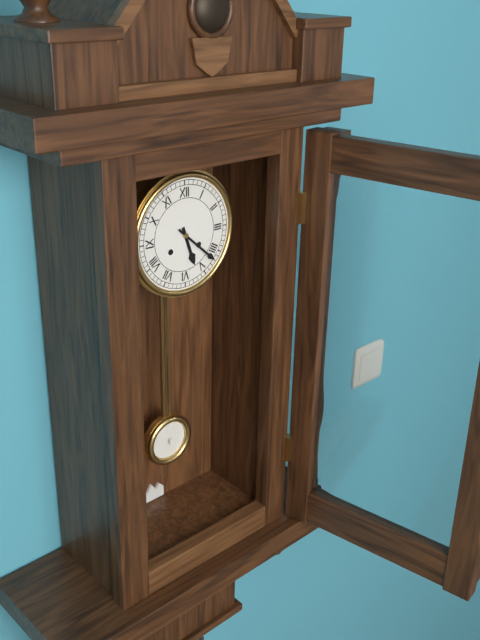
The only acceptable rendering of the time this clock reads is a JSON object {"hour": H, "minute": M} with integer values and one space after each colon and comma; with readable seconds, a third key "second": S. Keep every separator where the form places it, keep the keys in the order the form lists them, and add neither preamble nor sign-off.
{"hour": 5, "minute": 22}
